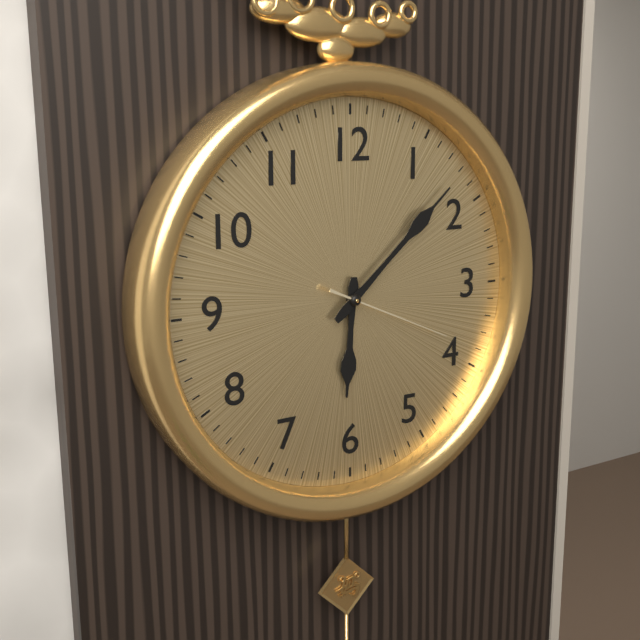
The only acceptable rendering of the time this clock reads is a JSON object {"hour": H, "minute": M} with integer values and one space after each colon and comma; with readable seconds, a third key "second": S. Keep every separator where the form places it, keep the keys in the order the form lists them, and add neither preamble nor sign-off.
{"hour": 6, "minute": 8, "second": 19}
